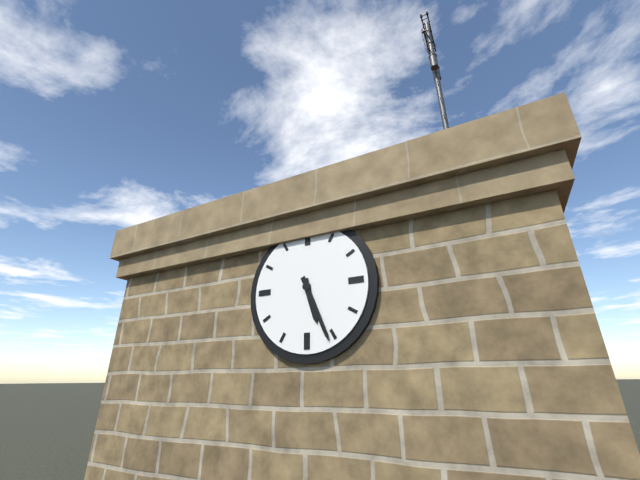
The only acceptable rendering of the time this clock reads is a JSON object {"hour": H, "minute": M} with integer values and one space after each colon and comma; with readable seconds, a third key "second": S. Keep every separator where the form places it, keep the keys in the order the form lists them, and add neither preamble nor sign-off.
{"hour": 5, "minute": 26}
